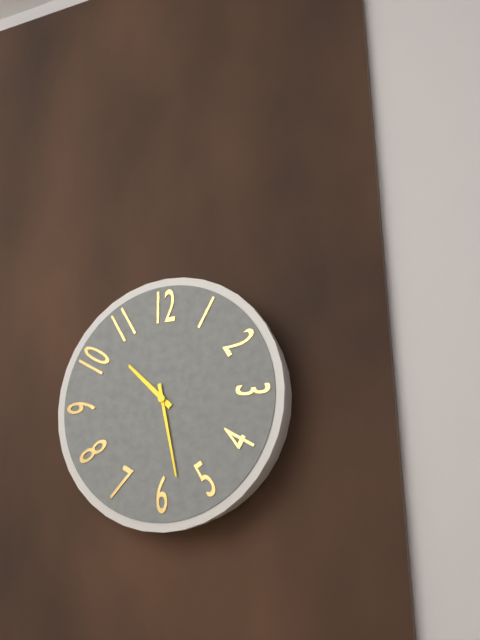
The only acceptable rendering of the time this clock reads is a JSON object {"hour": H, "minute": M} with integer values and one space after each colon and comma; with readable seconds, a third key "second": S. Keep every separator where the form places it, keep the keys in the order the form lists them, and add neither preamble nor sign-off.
{"hour": 10, "minute": 28}
